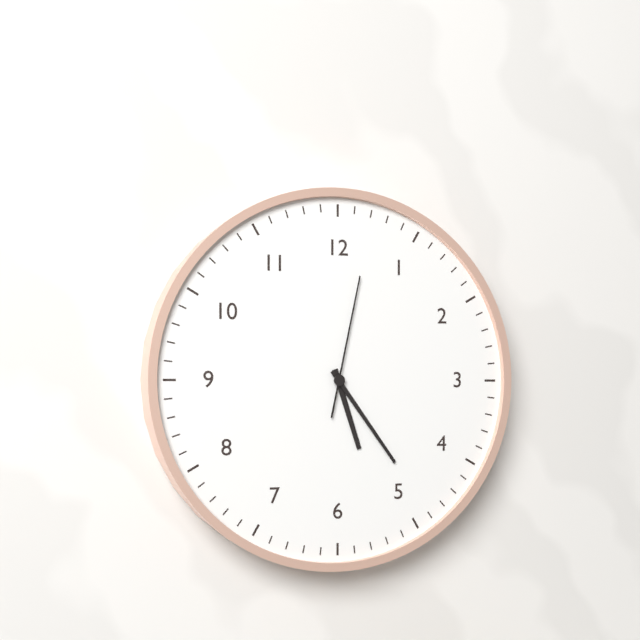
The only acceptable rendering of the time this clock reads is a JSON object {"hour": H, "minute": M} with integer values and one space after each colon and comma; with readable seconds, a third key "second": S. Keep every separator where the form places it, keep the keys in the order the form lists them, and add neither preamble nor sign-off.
{"hour": 5, "minute": 24, "second": 2}
